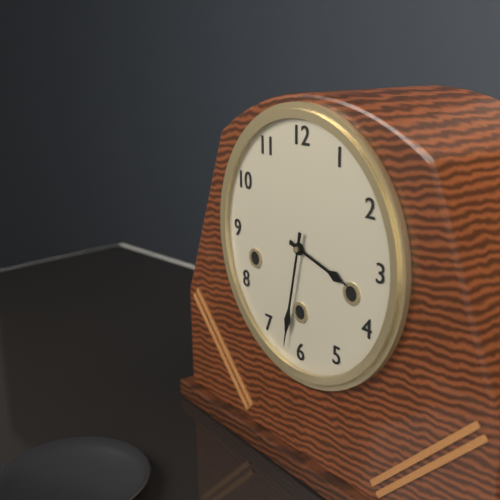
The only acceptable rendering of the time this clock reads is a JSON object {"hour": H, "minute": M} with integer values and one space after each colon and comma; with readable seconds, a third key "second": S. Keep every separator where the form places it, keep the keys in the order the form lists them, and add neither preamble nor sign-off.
{"hour": 3, "minute": 32}
